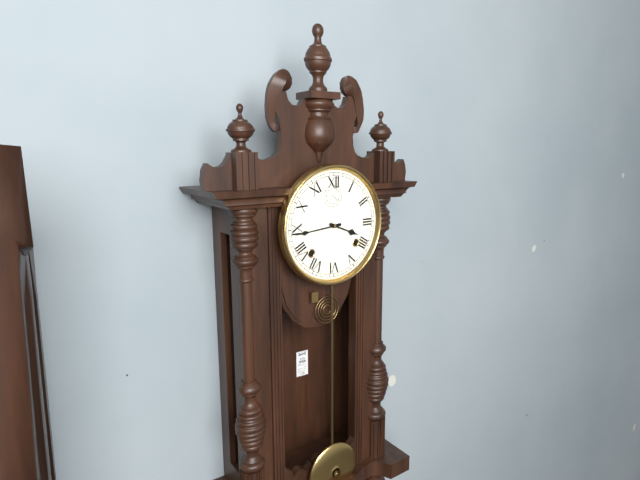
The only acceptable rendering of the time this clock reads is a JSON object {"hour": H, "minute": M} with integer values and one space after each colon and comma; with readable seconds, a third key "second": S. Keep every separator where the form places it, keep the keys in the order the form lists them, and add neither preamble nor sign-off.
{"hour": 3, "minute": 44}
